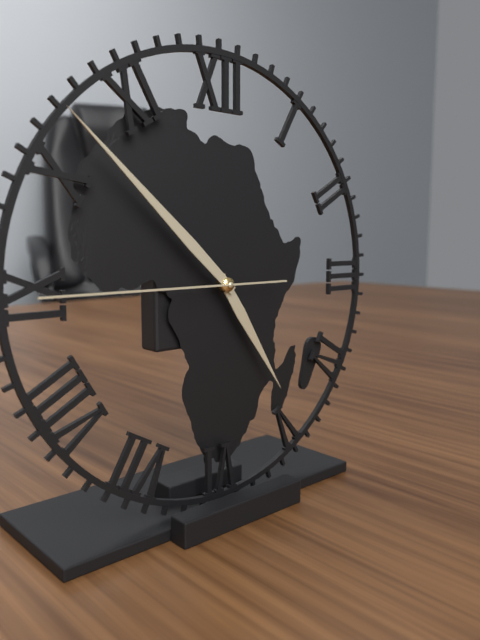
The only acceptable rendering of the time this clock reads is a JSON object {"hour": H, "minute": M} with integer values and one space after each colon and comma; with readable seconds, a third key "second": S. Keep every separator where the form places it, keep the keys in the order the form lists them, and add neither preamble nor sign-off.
{"hour": 4, "minute": 52, "second": 45}
